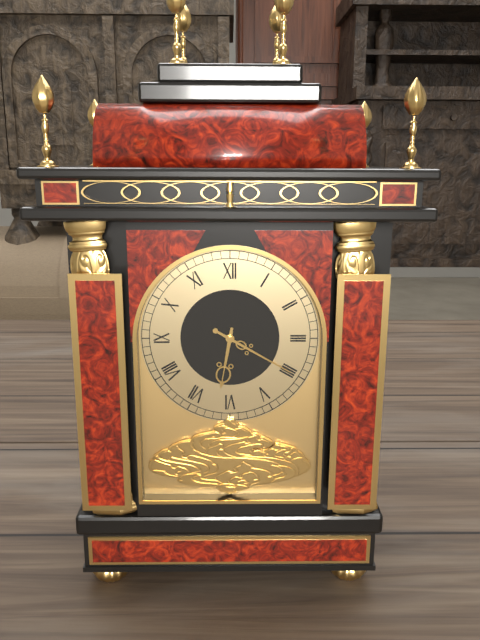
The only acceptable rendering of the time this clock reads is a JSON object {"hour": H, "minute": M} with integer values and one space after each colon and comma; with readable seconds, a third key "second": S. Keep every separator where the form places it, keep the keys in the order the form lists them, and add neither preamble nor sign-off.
{"hour": 6, "minute": 20}
